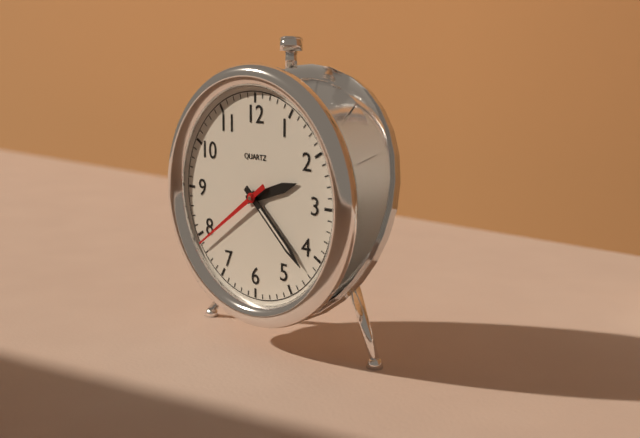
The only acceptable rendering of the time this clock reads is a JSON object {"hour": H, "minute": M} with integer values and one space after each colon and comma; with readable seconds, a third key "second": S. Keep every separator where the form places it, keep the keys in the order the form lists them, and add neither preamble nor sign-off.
{"hour": 2, "minute": 22, "second": 39}
